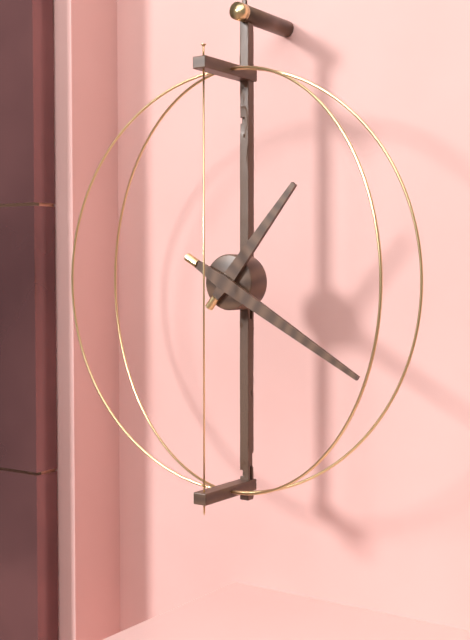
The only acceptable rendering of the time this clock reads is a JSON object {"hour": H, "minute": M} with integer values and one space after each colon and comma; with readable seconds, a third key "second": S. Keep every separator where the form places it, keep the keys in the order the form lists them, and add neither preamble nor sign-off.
{"hour": 1, "minute": 20}
